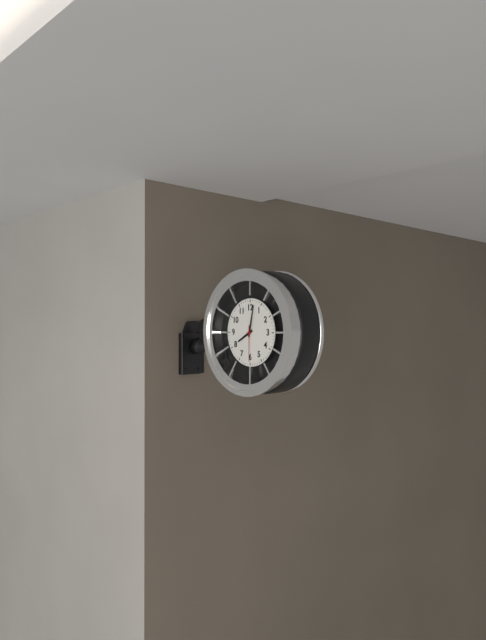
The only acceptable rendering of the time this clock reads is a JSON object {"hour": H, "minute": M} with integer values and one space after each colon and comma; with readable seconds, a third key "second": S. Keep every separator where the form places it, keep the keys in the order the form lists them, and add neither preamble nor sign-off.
{"hour": 8, "minute": 2}
